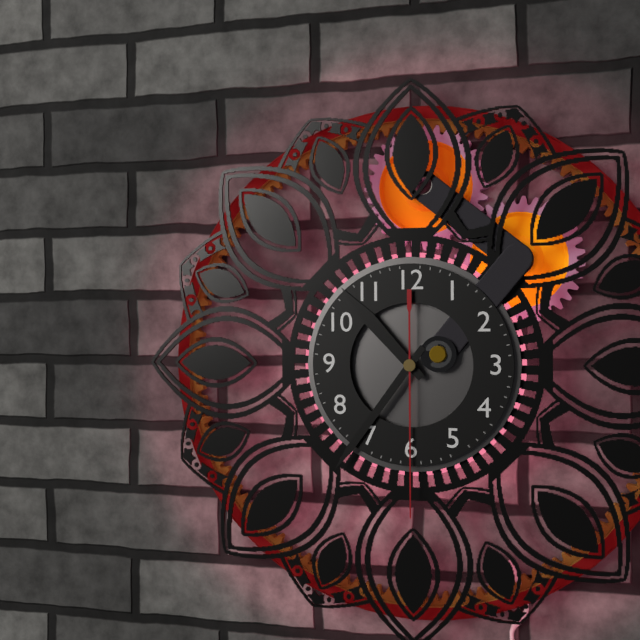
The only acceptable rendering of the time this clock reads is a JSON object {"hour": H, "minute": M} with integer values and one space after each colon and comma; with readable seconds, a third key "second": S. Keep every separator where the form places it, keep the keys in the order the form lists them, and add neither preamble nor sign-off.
{"hour": 10, "minute": 36, "second": 30}
